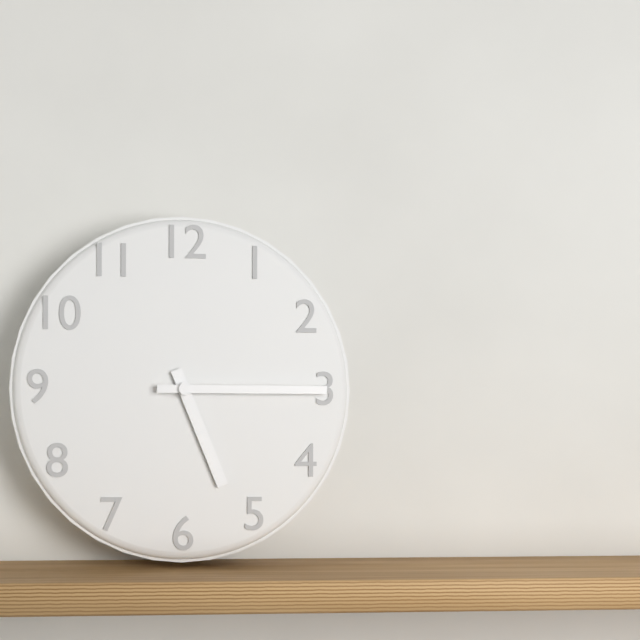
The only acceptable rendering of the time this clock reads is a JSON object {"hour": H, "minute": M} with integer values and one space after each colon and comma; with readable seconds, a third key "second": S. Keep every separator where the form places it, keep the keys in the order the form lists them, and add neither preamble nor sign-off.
{"hour": 5, "minute": 15}
